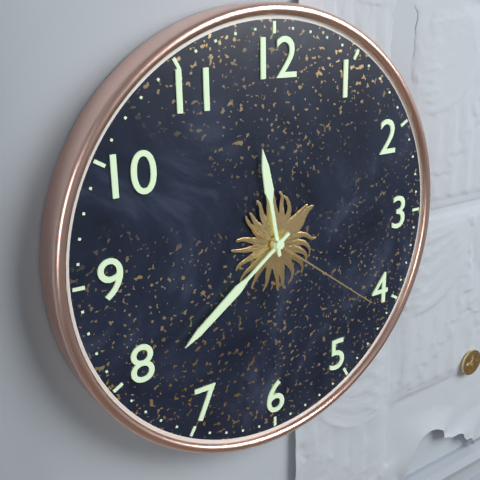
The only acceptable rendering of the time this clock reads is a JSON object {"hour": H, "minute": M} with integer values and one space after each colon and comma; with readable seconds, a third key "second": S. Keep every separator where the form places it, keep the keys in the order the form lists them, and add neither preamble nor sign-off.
{"hour": 11, "minute": 39, "second": 21}
